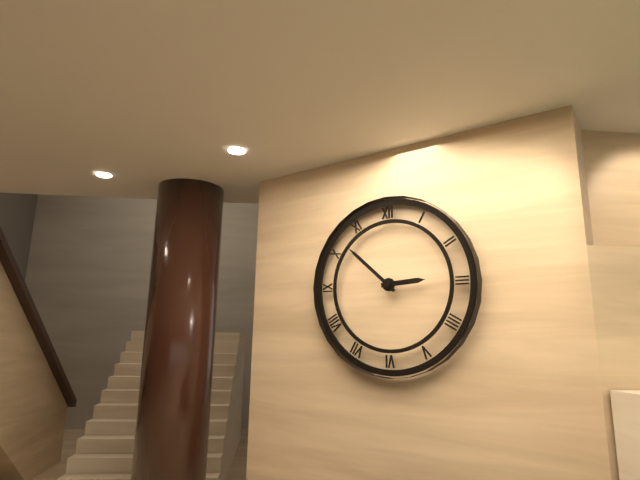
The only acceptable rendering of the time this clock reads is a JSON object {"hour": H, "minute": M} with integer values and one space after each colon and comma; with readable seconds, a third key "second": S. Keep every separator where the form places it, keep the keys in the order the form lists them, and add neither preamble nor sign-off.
{"hour": 2, "minute": 52}
